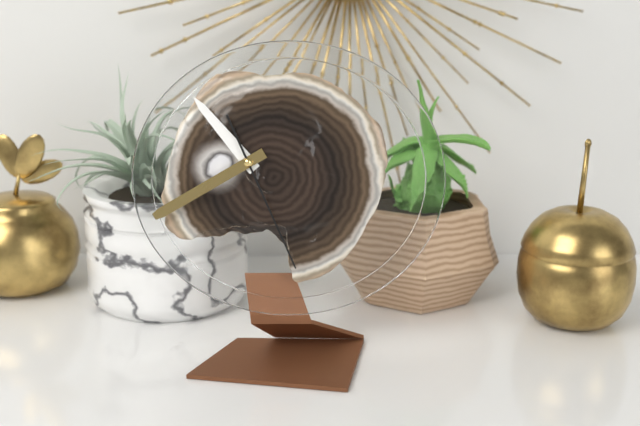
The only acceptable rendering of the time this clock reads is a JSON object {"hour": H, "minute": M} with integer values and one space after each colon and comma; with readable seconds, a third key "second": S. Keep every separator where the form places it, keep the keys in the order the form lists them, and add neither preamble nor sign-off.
{"hour": 10, "minute": 40, "second": 26}
